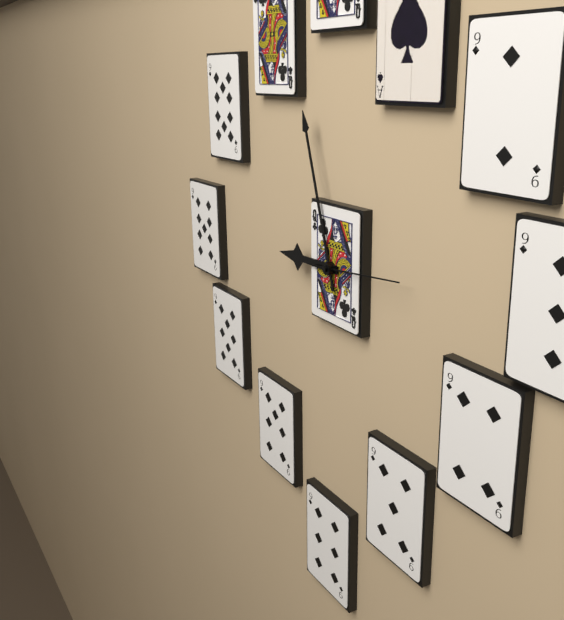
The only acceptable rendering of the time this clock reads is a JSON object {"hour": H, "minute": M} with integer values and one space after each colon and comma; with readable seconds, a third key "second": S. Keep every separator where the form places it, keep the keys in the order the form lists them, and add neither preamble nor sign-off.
{"hour": 8, "minute": 57, "second": 14}
